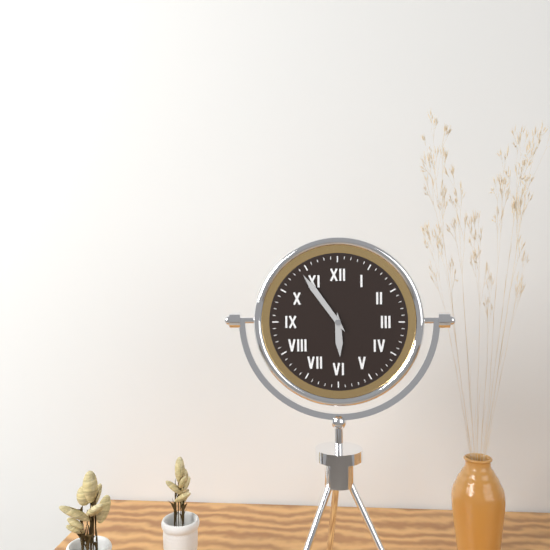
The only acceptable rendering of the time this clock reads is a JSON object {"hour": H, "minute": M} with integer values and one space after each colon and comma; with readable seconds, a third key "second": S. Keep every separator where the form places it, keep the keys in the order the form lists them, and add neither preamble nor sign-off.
{"hour": 5, "minute": 54}
